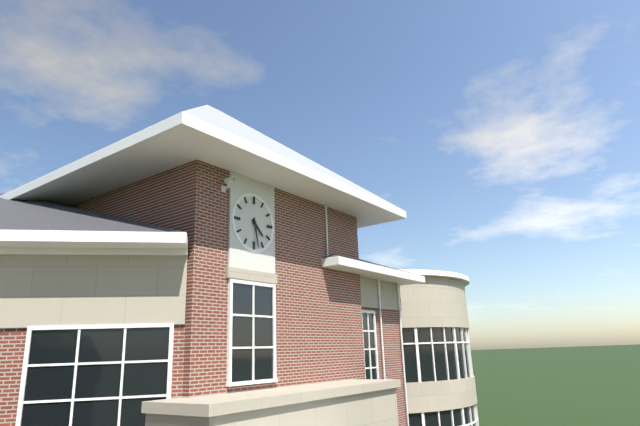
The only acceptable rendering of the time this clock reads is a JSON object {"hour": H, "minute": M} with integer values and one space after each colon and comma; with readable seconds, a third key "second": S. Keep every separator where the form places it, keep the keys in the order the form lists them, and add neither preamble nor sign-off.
{"hour": 4, "minute": 28}
